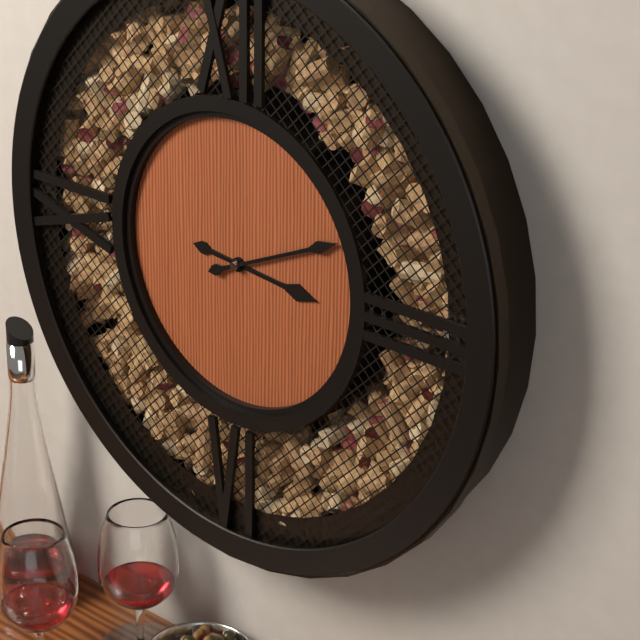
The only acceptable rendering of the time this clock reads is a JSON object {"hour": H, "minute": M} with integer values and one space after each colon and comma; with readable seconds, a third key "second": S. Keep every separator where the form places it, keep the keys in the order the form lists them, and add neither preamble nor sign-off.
{"hour": 3, "minute": 11}
